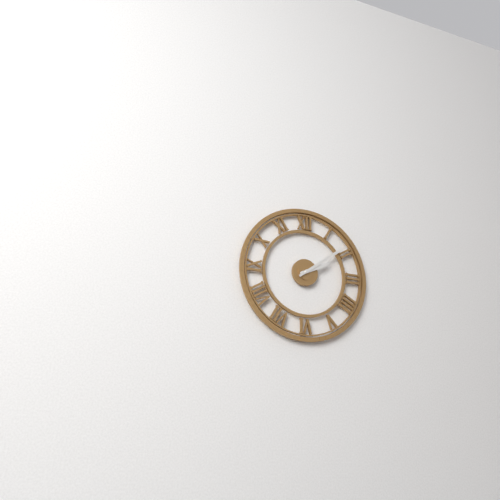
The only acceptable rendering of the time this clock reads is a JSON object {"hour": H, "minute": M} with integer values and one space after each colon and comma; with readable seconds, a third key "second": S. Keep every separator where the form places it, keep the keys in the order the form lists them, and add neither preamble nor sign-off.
{"hour": 2, "minute": 9}
